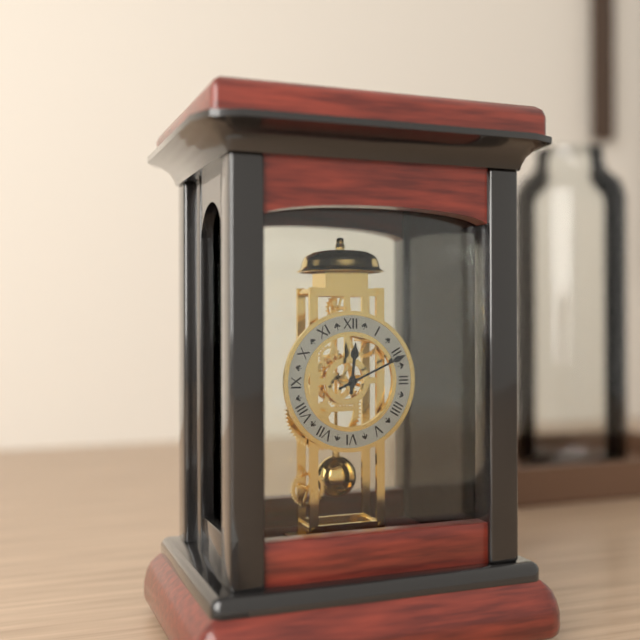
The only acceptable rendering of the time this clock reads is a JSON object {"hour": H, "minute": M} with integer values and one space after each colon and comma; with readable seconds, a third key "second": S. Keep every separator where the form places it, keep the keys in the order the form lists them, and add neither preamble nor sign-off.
{"hour": 12, "minute": 11}
